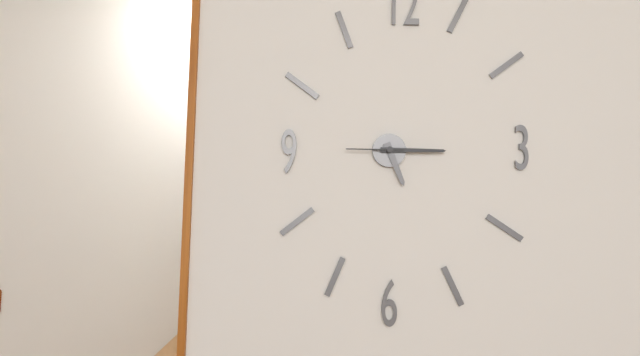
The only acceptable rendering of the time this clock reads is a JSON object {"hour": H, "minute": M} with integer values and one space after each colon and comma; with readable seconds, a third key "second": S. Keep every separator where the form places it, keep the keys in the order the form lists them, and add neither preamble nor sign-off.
{"hour": 5, "minute": 15, "second": 45}
